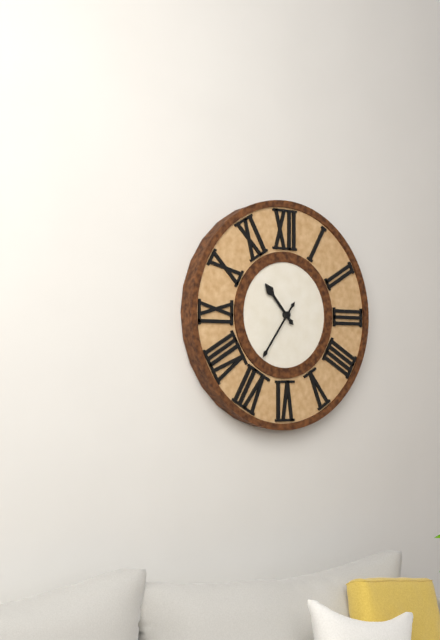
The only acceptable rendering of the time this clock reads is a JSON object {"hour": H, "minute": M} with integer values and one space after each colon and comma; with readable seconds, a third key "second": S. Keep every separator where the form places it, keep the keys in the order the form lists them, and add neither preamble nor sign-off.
{"hour": 10, "minute": 36}
